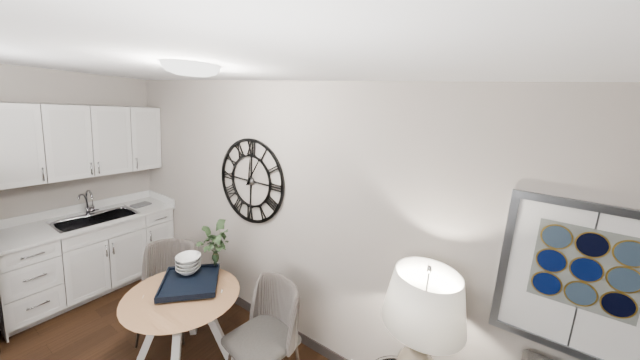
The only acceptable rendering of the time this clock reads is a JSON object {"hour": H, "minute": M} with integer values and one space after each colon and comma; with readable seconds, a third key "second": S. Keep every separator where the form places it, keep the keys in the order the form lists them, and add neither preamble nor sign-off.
{"hour": 12, "minute": 5}
